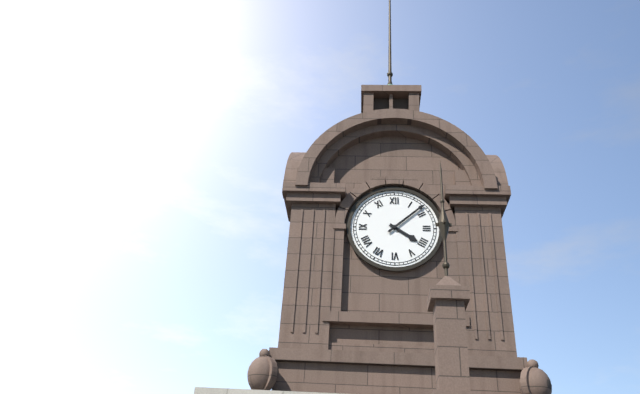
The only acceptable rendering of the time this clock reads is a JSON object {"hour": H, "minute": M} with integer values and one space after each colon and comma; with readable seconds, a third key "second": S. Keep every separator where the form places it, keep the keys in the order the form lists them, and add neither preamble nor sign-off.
{"hour": 4, "minute": 8}
